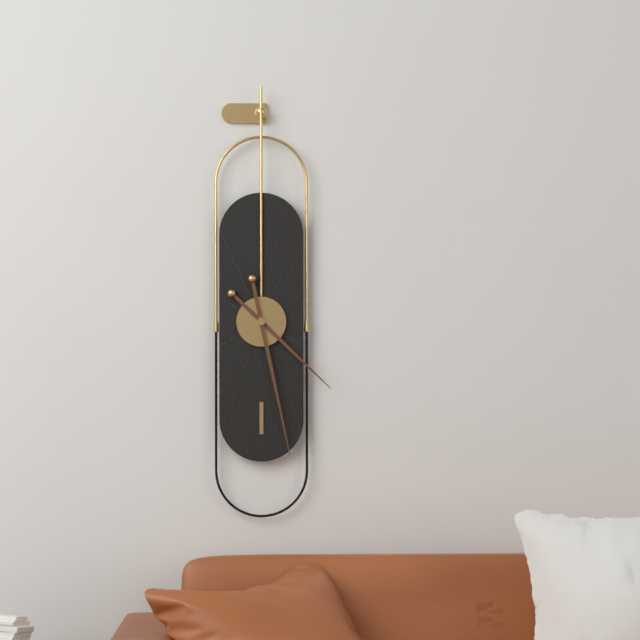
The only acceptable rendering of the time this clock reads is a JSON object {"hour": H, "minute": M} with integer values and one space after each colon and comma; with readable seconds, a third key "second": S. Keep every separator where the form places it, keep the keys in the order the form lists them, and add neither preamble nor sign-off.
{"hour": 4, "minute": 28}
